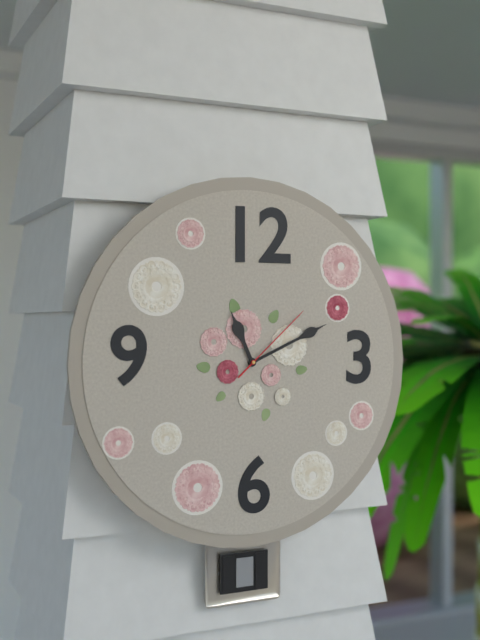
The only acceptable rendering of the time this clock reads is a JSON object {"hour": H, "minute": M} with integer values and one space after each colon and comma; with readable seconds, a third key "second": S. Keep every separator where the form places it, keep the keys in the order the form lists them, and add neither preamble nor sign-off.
{"hour": 11, "minute": 11, "second": 8}
